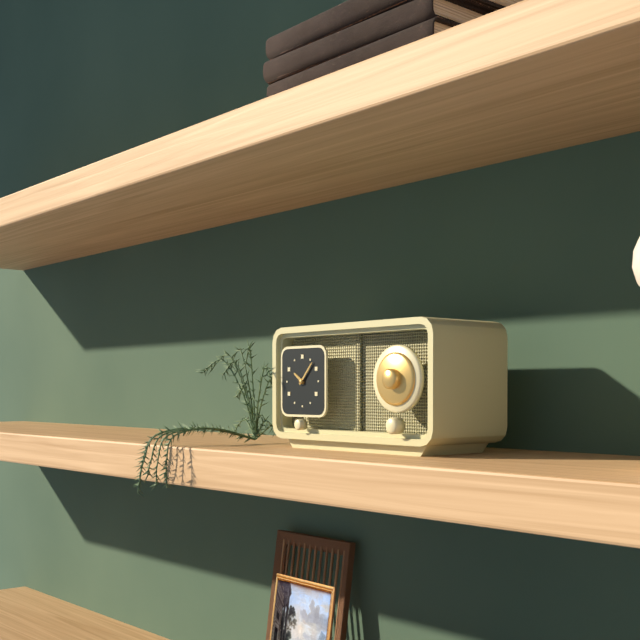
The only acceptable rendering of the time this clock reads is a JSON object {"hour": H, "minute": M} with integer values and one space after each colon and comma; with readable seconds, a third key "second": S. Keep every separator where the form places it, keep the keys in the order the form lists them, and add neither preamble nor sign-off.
{"hour": 10, "minute": 7}
